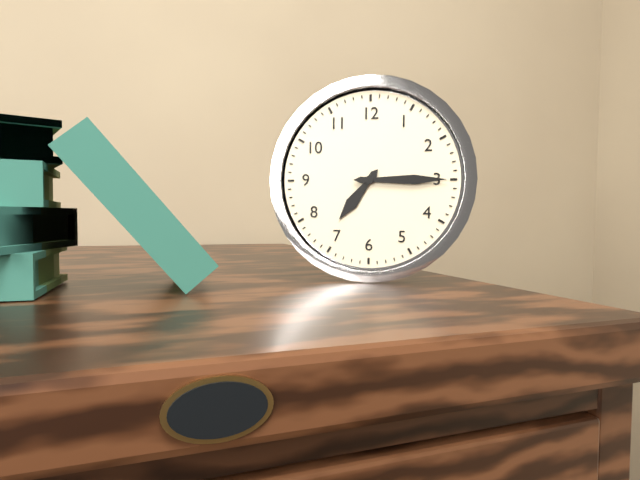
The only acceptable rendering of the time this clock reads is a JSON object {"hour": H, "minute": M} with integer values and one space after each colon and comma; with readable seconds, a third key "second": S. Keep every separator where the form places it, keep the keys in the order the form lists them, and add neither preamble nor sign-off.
{"hour": 7, "minute": 15}
